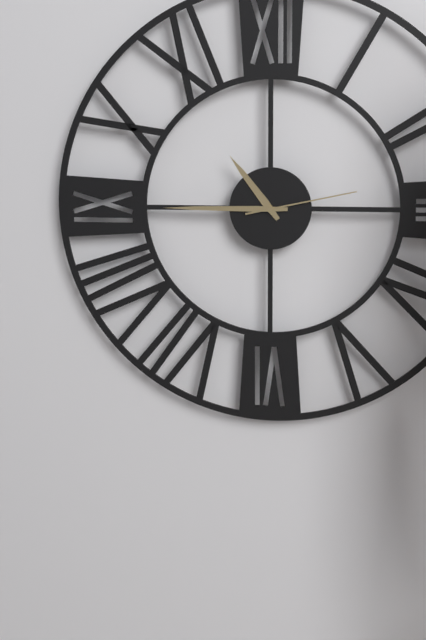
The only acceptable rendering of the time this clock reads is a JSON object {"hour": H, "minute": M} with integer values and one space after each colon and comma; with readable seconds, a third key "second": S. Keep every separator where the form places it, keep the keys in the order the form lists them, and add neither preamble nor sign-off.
{"hour": 10, "minute": 45, "second": 13}
